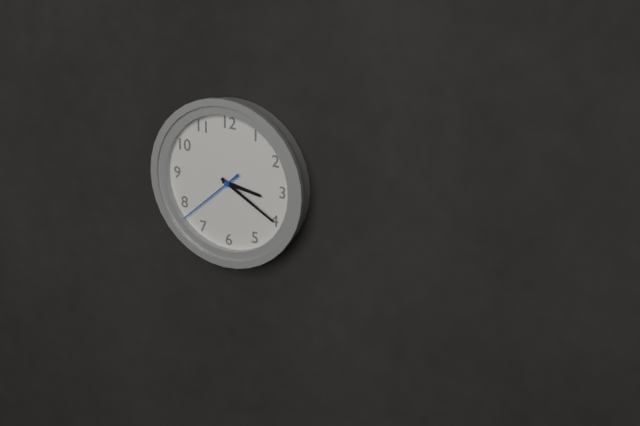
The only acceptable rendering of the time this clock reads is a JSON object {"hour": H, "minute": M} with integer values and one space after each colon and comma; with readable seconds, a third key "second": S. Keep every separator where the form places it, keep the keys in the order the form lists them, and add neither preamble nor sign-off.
{"hour": 3, "minute": 20, "second": 38}
